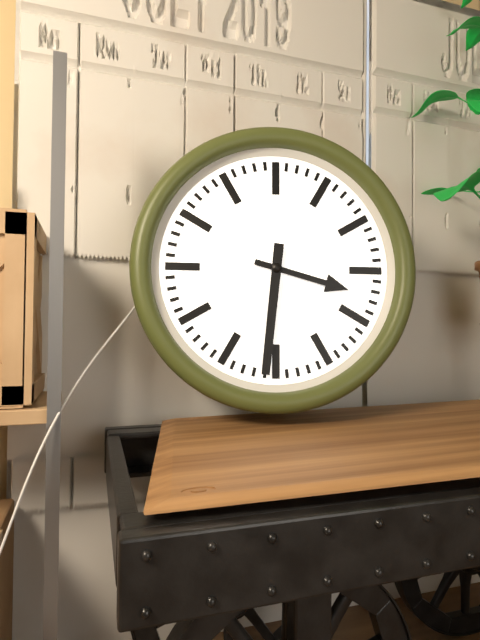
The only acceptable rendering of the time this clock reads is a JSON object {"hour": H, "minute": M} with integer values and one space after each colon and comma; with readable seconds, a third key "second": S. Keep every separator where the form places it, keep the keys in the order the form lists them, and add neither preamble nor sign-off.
{"hour": 3, "minute": 31}
